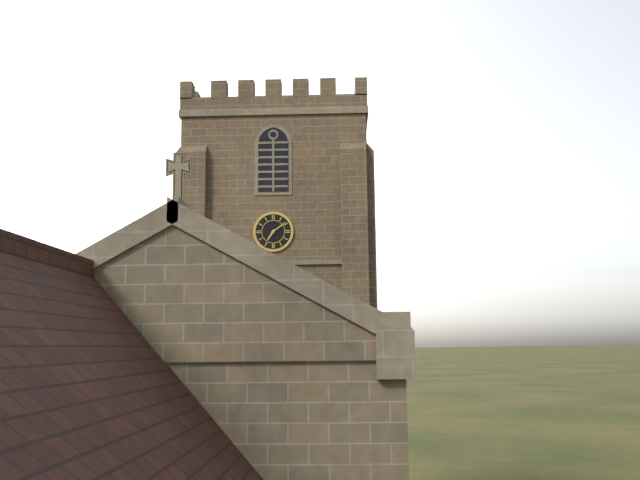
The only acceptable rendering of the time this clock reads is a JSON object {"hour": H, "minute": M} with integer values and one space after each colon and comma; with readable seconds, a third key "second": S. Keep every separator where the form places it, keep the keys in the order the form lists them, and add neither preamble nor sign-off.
{"hour": 7, "minute": 9}
